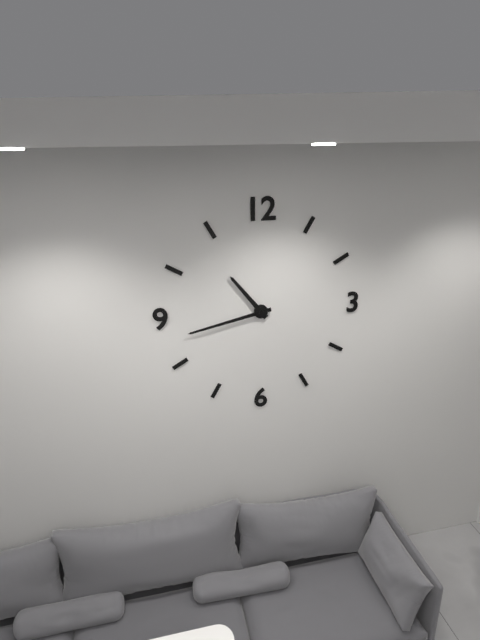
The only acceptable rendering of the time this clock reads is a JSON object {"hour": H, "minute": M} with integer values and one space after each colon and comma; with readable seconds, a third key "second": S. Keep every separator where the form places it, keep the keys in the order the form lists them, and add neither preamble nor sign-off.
{"hour": 10, "minute": 43}
